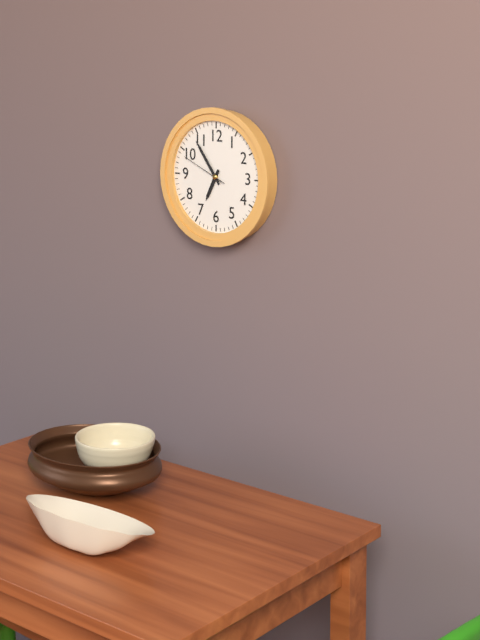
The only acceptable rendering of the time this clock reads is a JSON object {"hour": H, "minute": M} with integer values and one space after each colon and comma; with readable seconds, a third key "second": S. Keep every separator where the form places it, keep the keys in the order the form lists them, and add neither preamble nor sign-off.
{"hour": 6, "minute": 54}
